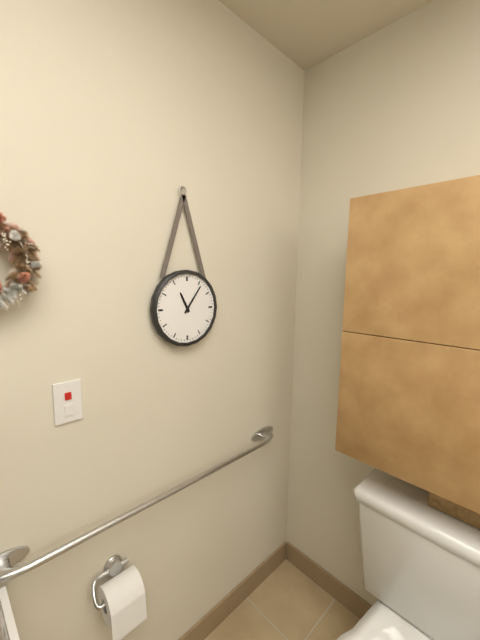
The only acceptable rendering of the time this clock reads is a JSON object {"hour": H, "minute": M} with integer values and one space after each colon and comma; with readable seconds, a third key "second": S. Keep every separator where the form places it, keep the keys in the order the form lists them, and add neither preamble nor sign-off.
{"hour": 11, "minute": 6}
